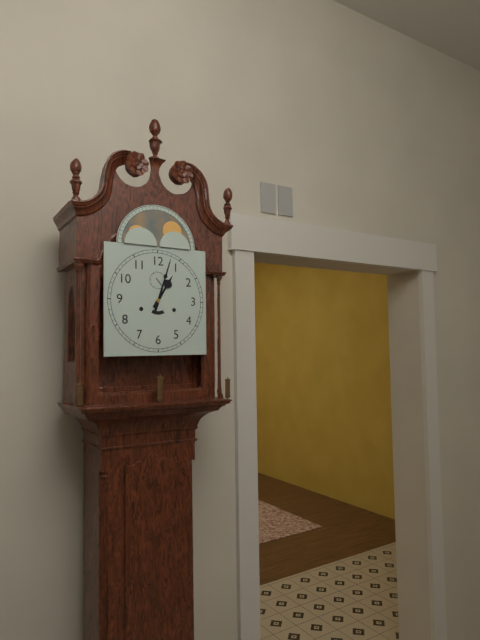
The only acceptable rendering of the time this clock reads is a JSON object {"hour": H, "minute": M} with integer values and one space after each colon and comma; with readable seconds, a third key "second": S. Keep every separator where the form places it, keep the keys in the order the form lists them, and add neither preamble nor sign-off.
{"hour": 1, "minute": 3}
